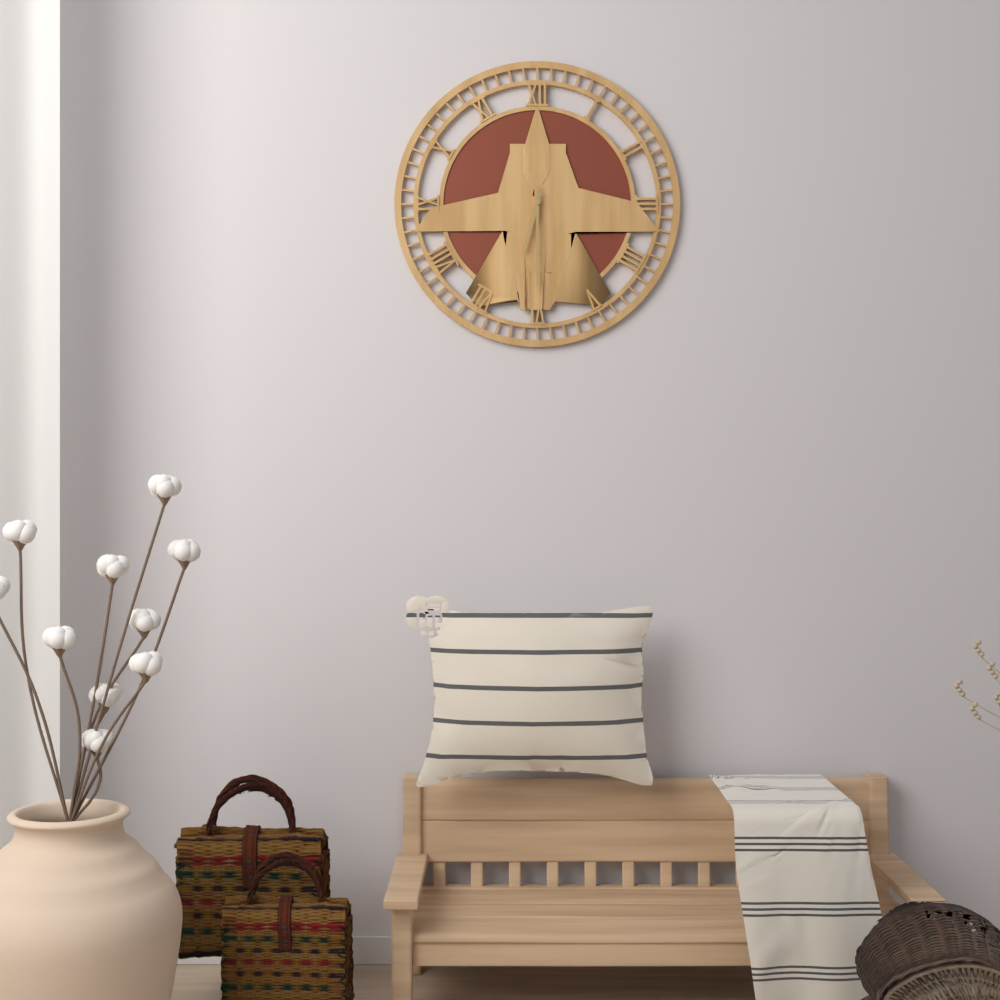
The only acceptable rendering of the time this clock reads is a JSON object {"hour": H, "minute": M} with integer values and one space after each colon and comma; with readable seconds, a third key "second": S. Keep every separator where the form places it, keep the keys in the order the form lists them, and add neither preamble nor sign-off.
{"hour": 6, "minute": 30}
